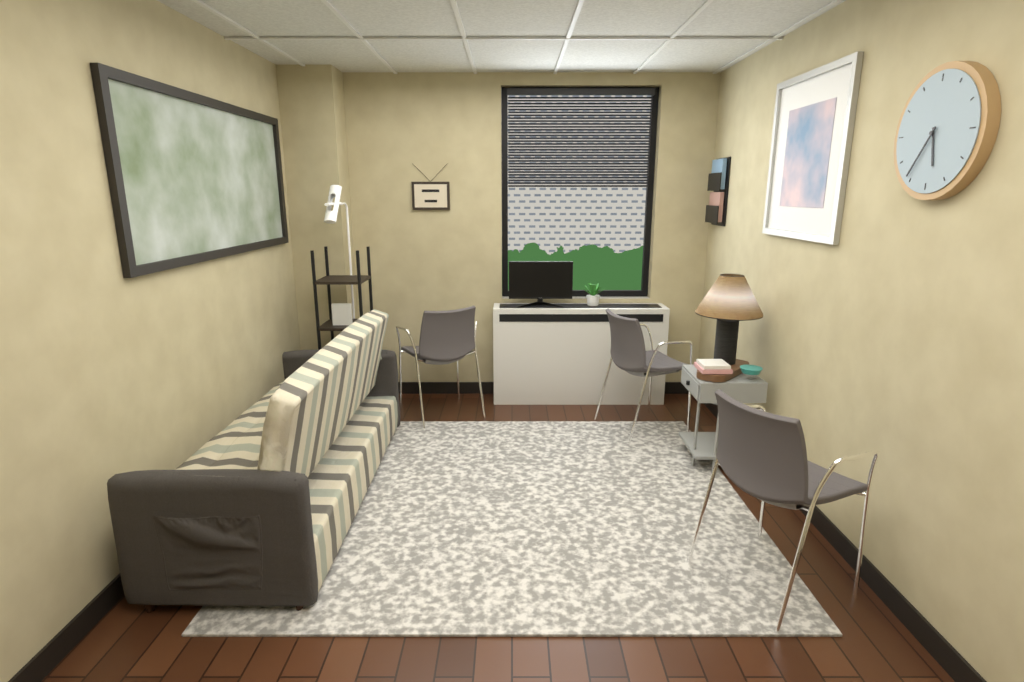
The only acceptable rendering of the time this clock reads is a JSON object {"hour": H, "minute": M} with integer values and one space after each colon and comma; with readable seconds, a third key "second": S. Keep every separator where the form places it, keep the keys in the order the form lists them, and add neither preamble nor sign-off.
{"hour": 5, "minute": 36}
